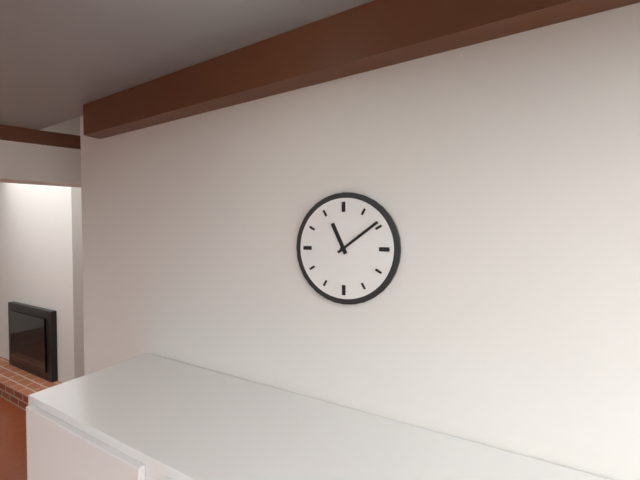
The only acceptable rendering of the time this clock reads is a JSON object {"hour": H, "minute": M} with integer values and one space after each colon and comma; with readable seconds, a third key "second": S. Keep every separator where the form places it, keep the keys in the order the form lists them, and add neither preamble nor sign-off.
{"hour": 11, "minute": 9}
